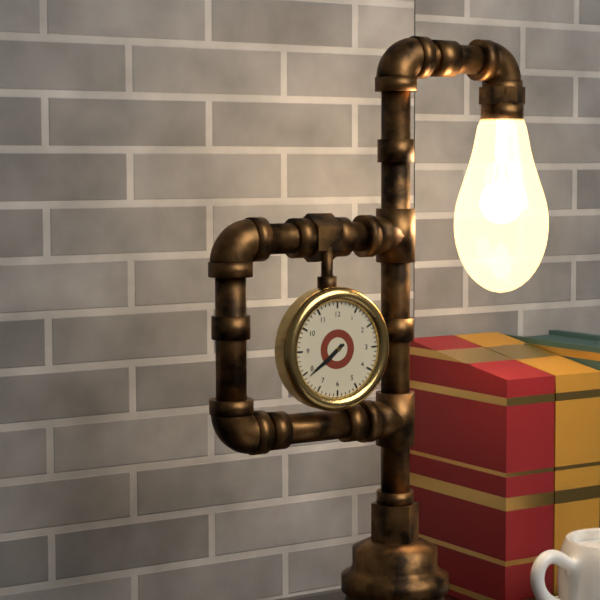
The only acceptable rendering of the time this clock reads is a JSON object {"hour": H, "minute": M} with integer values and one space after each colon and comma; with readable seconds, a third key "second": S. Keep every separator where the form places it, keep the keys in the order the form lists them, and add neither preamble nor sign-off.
{"hour": 7, "minute": 39}
